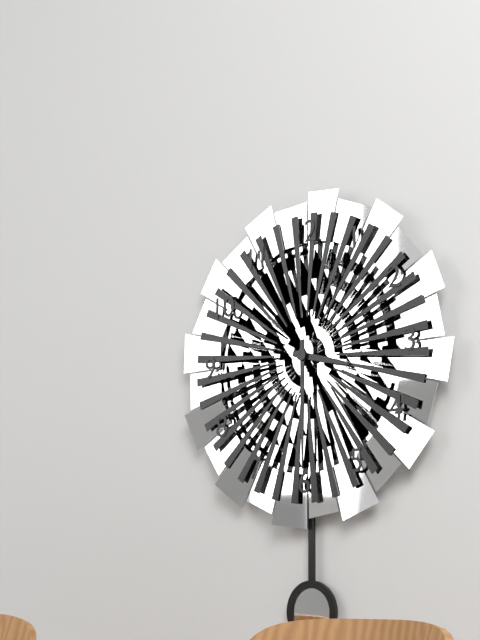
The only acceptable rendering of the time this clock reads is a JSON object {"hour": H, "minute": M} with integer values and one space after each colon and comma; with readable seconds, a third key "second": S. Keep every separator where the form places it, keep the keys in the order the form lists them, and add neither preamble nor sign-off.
{"hour": 3, "minute": 30}
